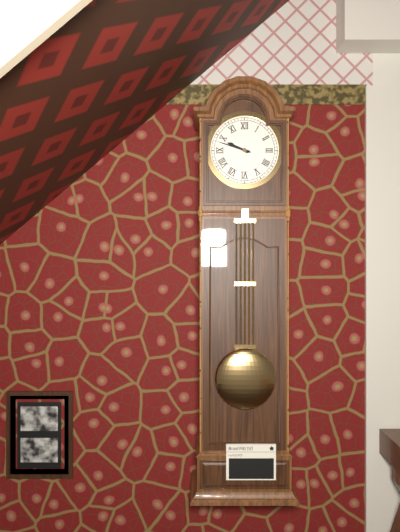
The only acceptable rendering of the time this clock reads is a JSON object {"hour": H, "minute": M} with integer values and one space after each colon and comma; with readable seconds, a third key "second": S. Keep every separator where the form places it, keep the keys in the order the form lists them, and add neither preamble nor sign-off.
{"hour": 9, "minute": 48}
